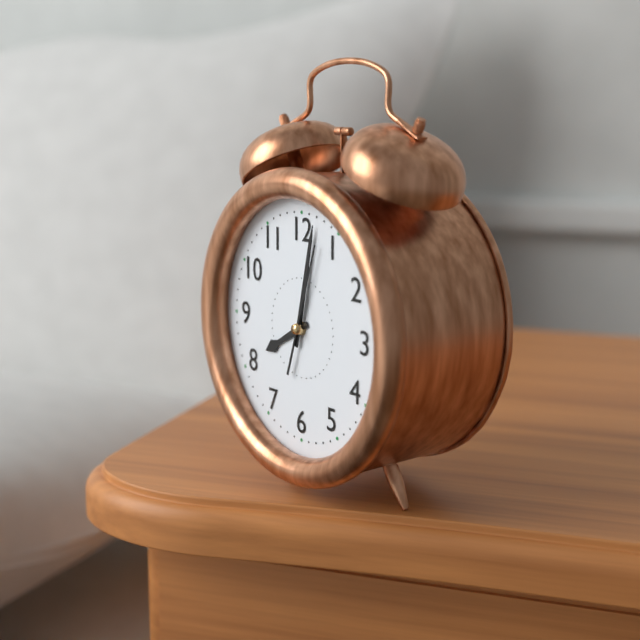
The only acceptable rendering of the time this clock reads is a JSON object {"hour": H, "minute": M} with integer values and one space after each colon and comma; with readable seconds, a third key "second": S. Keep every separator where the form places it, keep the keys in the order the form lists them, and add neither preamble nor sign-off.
{"hour": 8, "minute": 2, "second": 3}
